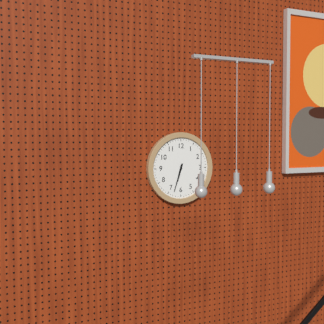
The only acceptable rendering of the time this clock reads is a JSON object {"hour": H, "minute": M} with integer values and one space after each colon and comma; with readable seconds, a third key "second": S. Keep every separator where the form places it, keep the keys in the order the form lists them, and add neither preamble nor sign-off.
{"hour": 6, "minute": 33}
